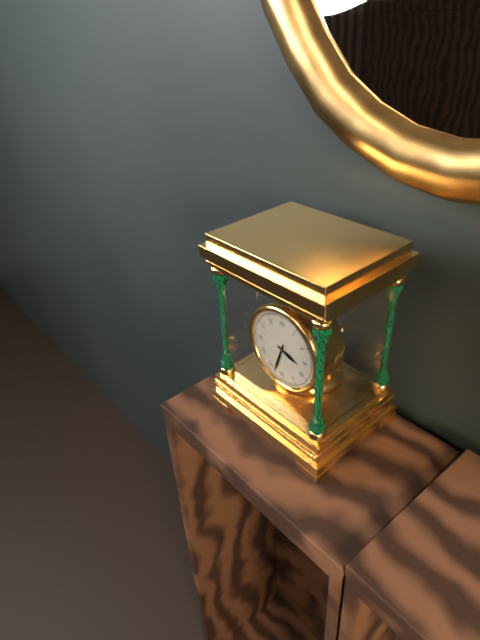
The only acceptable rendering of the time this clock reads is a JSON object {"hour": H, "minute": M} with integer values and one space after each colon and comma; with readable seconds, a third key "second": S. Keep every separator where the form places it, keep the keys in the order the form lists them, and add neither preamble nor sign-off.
{"hour": 3, "minute": 33}
